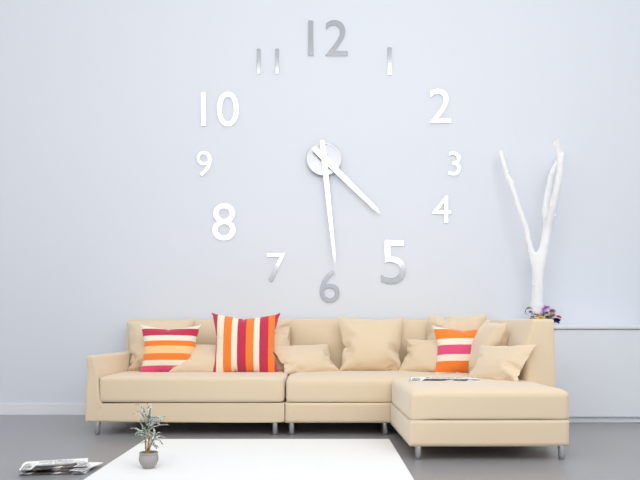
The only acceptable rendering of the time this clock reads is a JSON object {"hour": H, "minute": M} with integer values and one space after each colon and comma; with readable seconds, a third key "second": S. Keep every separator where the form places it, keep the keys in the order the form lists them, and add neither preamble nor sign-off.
{"hour": 4, "minute": 29}
